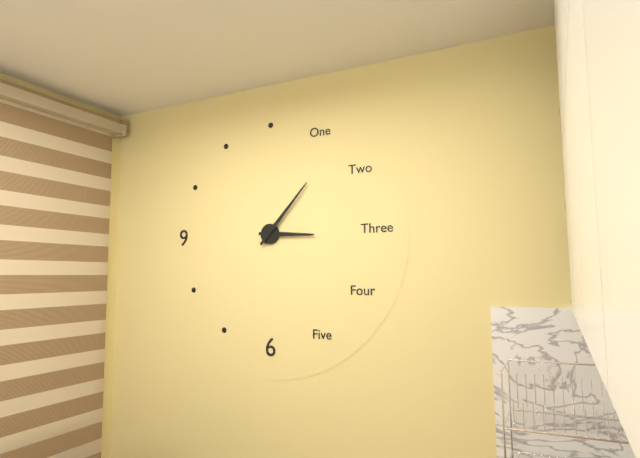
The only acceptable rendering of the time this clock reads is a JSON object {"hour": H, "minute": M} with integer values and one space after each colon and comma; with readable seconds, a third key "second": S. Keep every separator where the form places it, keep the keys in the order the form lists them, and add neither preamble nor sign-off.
{"hour": 3, "minute": 7}
